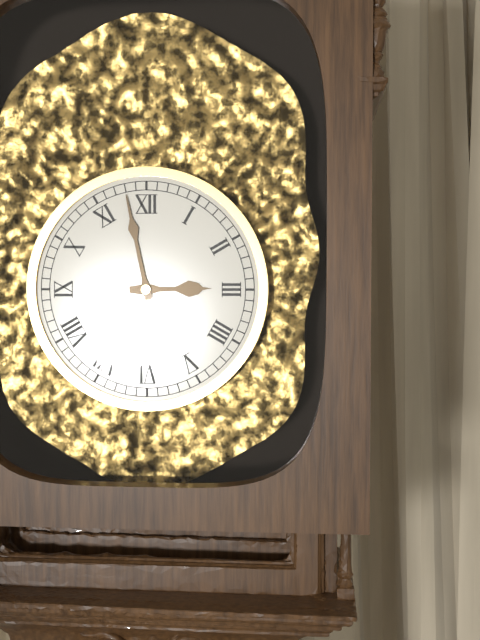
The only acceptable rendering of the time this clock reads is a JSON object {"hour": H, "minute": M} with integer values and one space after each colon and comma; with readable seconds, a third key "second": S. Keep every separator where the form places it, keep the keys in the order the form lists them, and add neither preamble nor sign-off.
{"hour": 2, "minute": 58}
